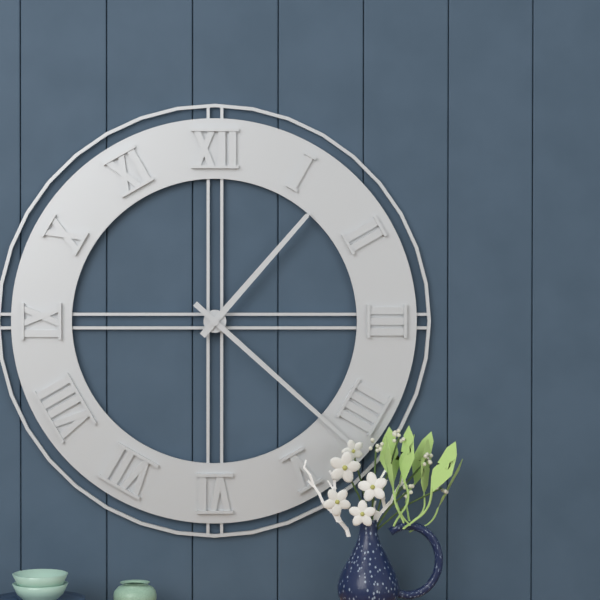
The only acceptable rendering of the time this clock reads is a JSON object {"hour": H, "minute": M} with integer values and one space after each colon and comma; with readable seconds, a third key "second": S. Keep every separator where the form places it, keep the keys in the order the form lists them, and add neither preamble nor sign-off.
{"hour": 1, "minute": 22}
